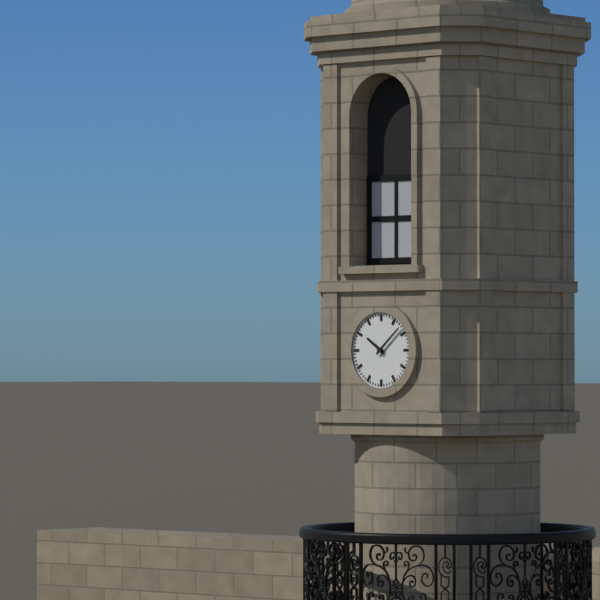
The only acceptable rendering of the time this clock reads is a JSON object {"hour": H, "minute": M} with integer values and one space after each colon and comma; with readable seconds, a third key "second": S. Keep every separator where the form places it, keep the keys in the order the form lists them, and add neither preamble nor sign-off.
{"hour": 10, "minute": 8}
